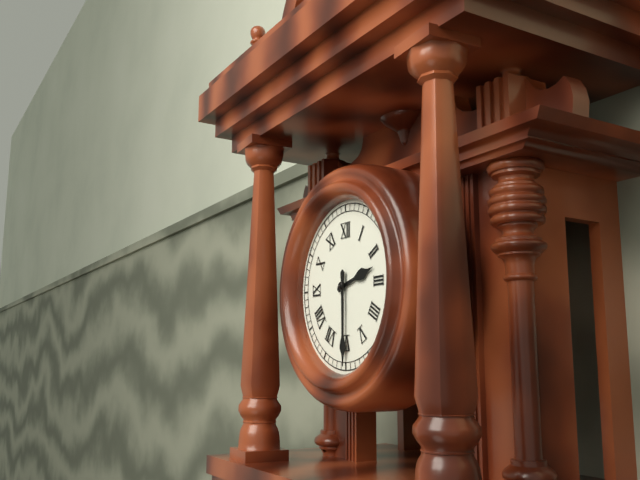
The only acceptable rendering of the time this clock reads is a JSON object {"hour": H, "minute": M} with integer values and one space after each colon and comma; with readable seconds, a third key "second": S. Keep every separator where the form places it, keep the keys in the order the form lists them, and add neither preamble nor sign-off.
{"hour": 2, "minute": 30}
